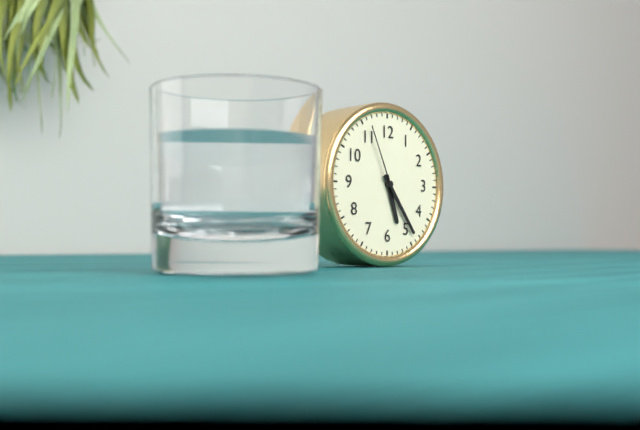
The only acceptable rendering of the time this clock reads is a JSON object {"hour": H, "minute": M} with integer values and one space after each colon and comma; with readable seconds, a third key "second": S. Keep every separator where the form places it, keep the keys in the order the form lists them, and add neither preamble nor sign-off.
{"hour": 5, "minute": 24, "second": 56}
